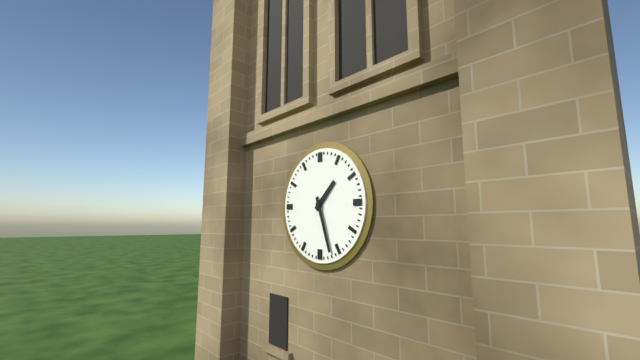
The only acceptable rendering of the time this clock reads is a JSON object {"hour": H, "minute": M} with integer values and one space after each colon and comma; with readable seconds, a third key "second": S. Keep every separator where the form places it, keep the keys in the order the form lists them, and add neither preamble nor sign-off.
{"hour": 1, "minute": 27}
